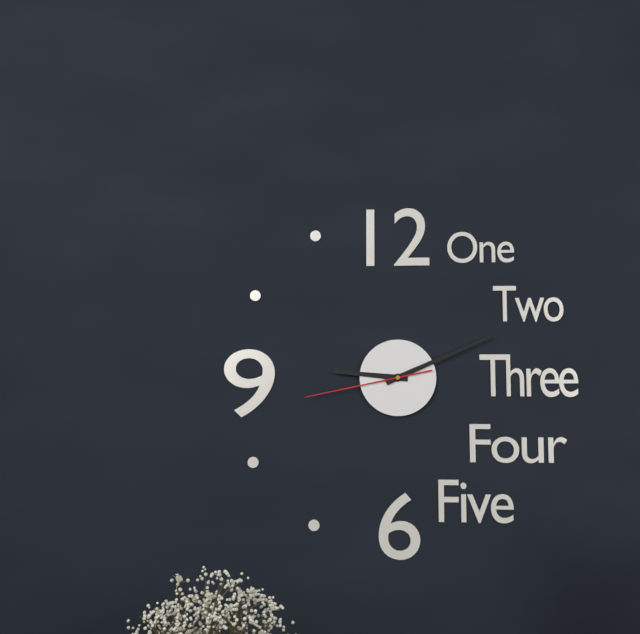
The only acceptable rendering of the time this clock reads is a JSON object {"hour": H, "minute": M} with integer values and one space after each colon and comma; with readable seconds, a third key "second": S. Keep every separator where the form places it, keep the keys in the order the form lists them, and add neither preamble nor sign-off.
{"hour": 9, "minute": 11, "second": 43}
